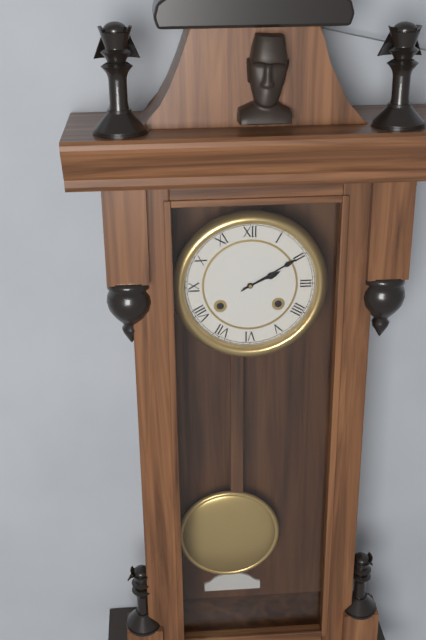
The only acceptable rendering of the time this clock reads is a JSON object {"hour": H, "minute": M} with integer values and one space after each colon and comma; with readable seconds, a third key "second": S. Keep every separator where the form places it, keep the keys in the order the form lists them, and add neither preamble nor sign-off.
{"hour": 2, "minute": 10}
